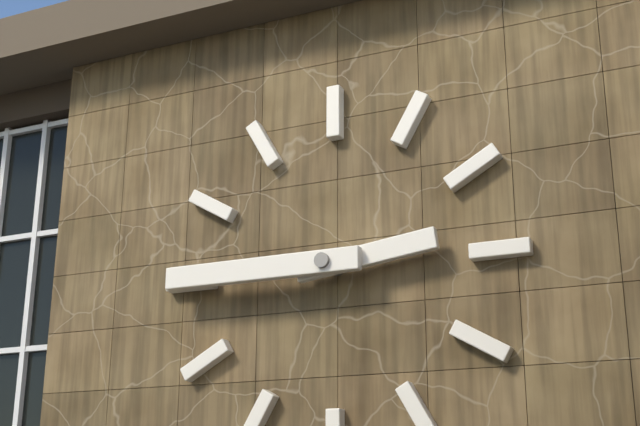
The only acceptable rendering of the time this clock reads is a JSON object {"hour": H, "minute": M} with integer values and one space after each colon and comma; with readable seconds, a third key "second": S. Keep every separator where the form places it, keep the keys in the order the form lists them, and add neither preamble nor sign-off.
{"hour": 2, "minute": 45}
